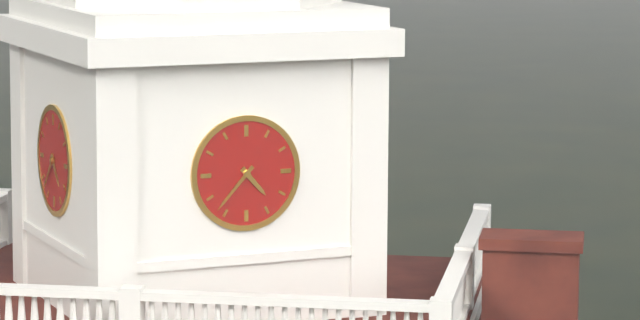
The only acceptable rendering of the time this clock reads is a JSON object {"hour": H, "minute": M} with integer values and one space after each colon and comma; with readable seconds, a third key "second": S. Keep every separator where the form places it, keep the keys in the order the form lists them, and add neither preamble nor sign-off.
{"hour": 4, "minute": 37}
